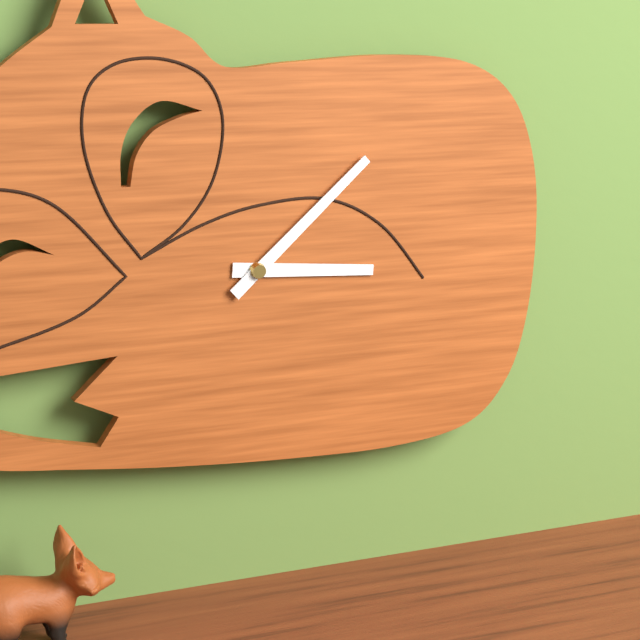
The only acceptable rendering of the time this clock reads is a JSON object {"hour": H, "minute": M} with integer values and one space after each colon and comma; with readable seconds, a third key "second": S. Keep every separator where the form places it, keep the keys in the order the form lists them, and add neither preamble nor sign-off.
{"hour": 3, "minute": 8}
